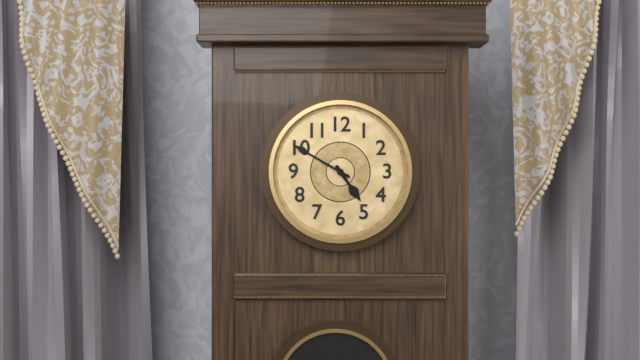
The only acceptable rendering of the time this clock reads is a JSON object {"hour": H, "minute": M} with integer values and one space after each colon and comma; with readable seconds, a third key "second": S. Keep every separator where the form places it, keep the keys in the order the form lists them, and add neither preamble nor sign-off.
{"hour": 4, "minute": 50}
